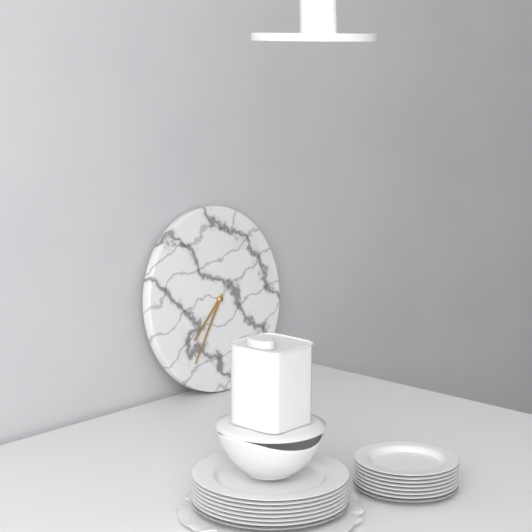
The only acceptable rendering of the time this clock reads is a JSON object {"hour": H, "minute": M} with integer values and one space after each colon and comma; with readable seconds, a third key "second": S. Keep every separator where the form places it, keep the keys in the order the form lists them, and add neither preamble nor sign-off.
{"hour": 7, "minute": 36}
